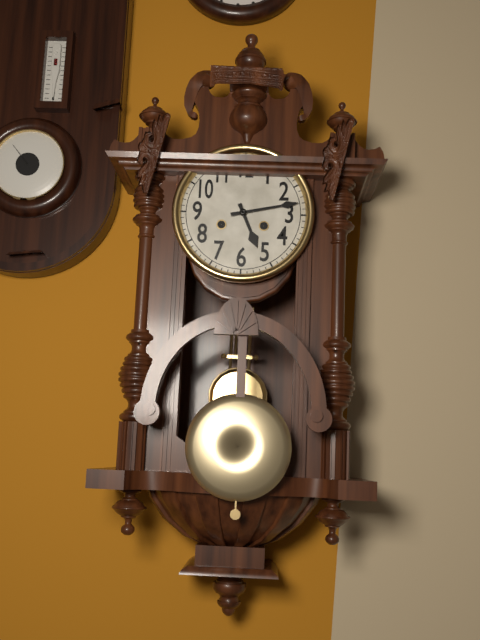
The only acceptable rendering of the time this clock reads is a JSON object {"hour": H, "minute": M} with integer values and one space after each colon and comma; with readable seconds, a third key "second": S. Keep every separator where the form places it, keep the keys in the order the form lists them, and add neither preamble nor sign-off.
{"hour": 5, "minute": 13}
